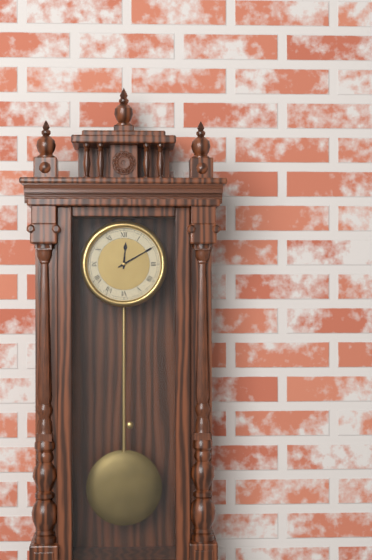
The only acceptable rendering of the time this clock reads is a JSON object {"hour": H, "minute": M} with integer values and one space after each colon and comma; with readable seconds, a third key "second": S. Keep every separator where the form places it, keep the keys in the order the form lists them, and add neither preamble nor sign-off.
{"hour": 12, "minute": 10}
